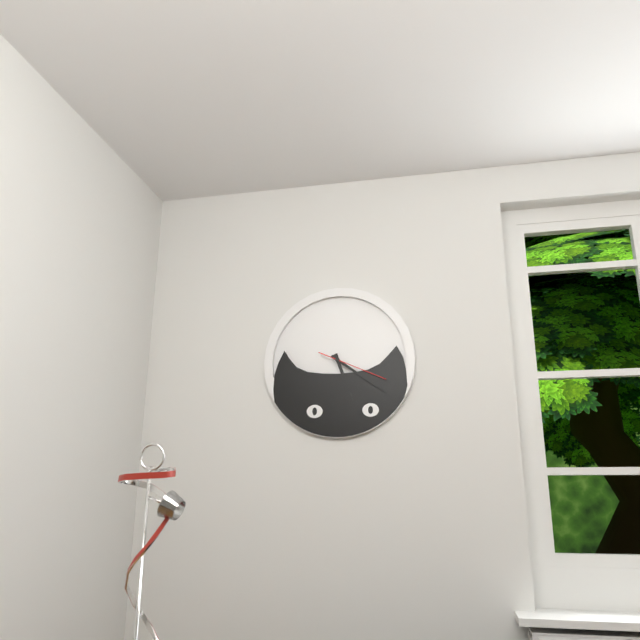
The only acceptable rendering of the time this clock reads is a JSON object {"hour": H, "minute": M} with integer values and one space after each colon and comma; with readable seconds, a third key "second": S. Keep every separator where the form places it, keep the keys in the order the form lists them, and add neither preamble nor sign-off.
{"hour": 5, "minute": 21, "second": 19}
